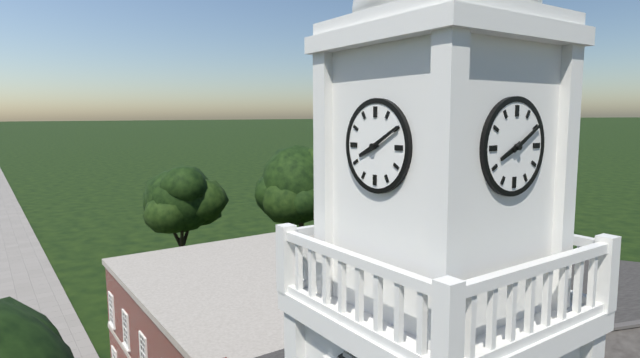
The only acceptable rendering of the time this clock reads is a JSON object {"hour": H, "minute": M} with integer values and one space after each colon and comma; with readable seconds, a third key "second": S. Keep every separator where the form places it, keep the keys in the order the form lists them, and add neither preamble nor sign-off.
{"hour": 8, "minute": 10}
